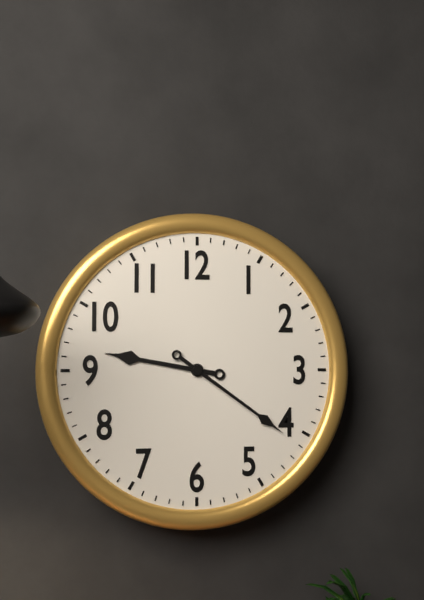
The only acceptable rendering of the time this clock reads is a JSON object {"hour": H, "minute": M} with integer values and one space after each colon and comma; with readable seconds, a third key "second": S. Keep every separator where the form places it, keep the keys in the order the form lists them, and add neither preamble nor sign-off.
{"hour": 9, "minute": 21}
